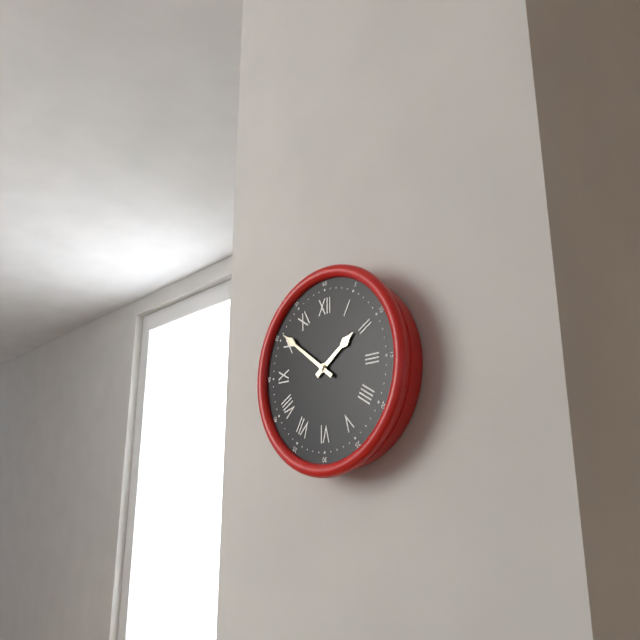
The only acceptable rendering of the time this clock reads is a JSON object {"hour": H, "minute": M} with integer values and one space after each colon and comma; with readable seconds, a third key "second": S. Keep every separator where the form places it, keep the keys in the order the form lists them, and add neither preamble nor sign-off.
{"hour": 1, "minute": 51}
